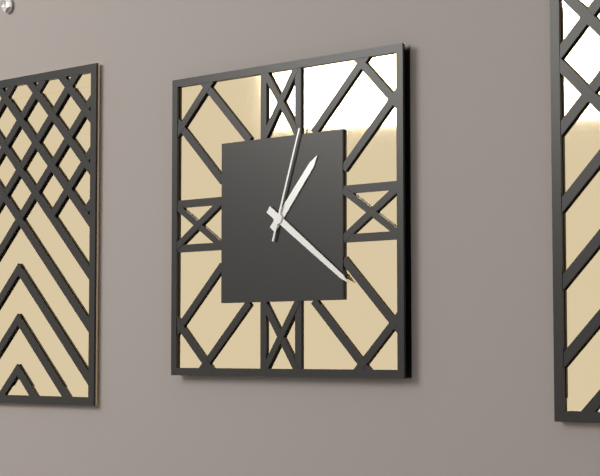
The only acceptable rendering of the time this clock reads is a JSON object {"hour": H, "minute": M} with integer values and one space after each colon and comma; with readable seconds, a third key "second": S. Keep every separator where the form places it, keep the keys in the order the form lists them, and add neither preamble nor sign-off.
{"hour": 1, "minute": 21, "second": 3}
